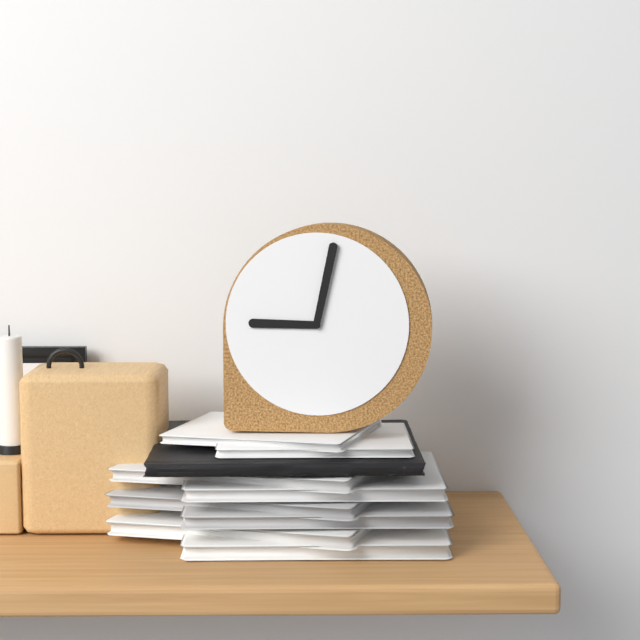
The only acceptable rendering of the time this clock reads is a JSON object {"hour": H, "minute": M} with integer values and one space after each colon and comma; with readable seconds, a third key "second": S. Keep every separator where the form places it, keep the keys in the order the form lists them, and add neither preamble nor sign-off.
{"hour": 9, "minute": 2}
